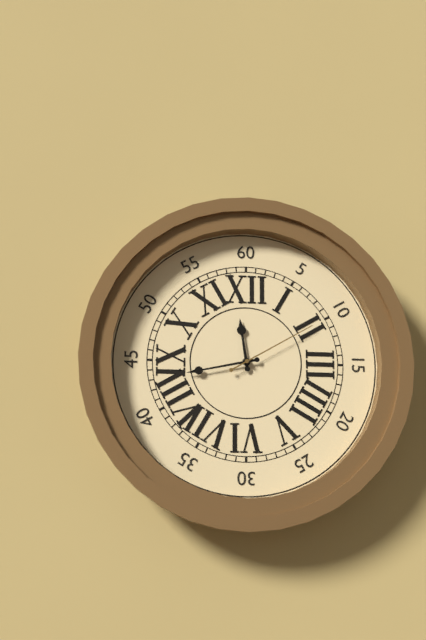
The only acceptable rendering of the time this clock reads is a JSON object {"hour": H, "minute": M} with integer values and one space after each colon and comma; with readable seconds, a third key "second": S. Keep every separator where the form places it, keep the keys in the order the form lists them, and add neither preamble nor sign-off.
{"hour": 11, "minute": 43, "second": 10}
